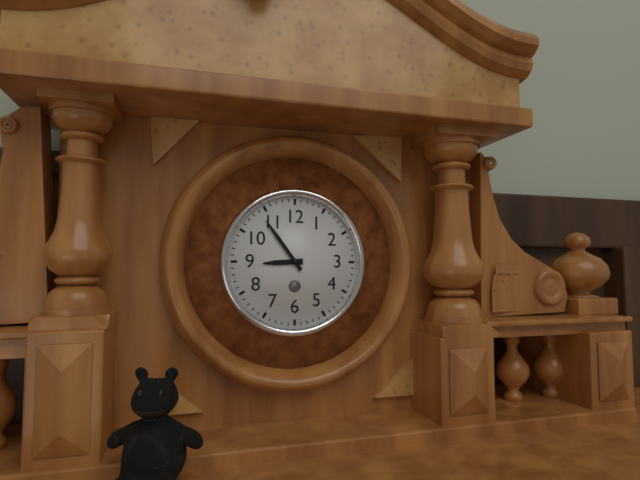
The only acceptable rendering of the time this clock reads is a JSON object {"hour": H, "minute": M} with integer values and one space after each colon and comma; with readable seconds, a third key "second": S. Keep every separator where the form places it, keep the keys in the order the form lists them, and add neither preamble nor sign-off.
{"hour": 8, "minute": 54}
